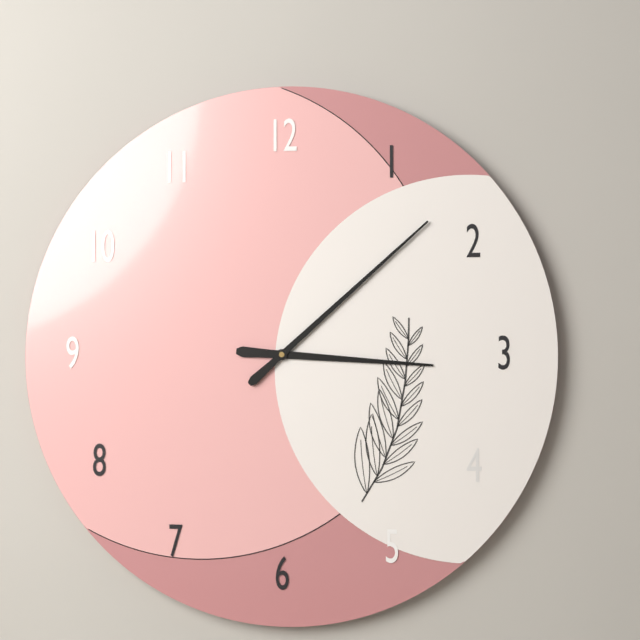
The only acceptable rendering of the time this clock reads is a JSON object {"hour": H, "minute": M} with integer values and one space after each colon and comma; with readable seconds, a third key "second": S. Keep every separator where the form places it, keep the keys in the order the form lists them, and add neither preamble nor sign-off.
{"hour": 3, "minute": 8}
